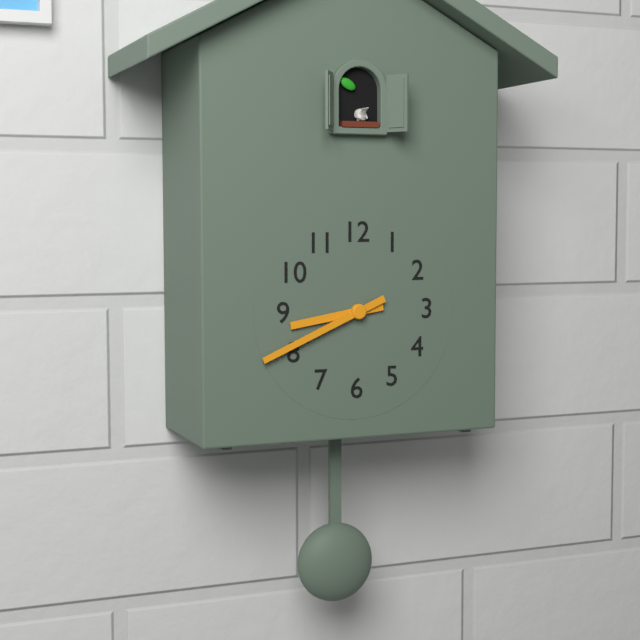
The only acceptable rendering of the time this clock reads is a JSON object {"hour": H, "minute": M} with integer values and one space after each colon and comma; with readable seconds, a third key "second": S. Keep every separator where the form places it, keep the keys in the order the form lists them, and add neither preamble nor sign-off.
{"hour": 8, "minute": 41}
